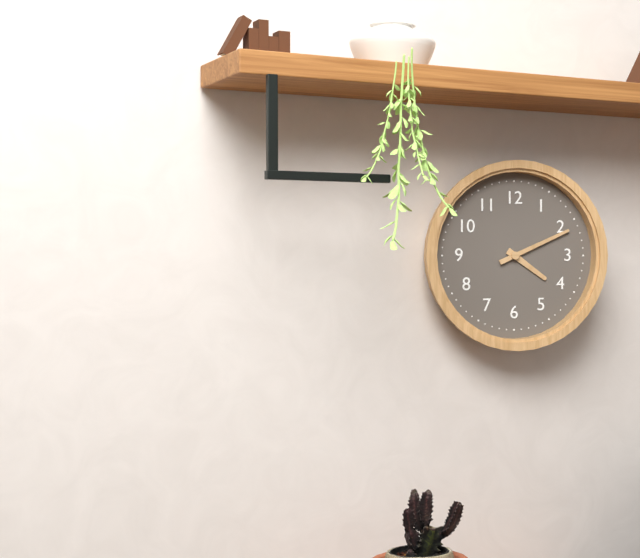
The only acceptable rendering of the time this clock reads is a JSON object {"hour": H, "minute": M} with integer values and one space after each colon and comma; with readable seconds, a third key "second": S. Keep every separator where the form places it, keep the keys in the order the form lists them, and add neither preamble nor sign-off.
{"hour": 4, "minute": 11}
